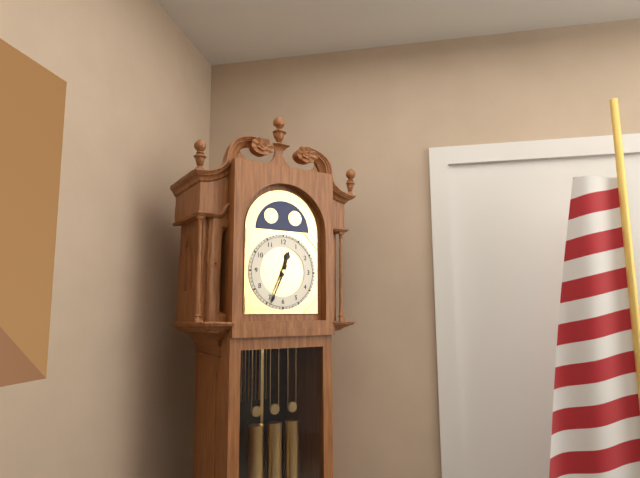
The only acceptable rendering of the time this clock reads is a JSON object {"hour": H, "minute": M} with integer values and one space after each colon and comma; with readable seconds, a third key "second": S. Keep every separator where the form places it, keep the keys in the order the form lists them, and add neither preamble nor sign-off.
{"hour": 12, "minute": 34}
